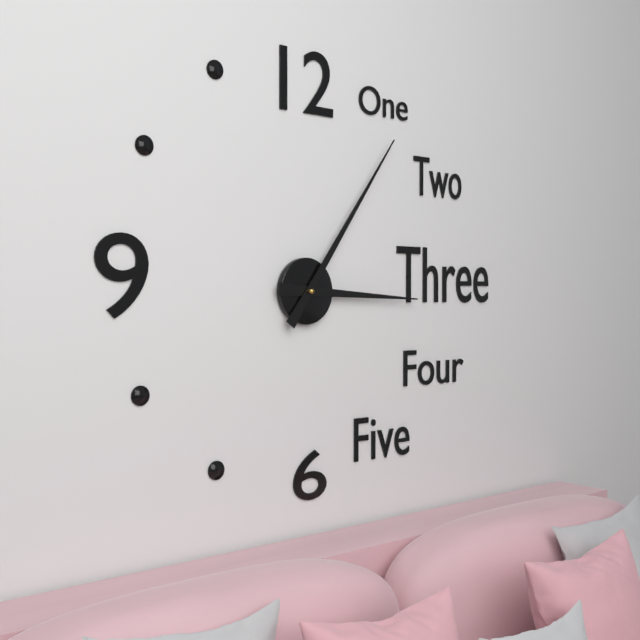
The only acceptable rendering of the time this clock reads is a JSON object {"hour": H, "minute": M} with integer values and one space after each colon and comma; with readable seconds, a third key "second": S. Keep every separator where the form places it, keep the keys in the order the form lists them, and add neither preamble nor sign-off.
{"hour": 3, "minute": 6}
